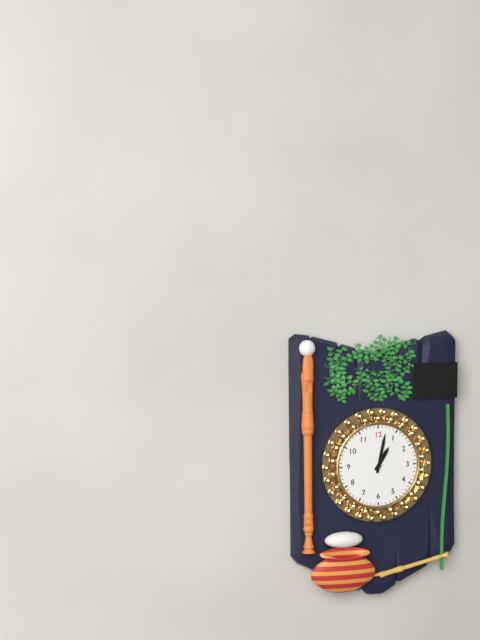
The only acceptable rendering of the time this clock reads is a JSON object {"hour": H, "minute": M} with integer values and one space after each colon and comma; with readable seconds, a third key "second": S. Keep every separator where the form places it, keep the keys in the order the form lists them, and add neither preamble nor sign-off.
{"hour": 1, "minute": 2}
